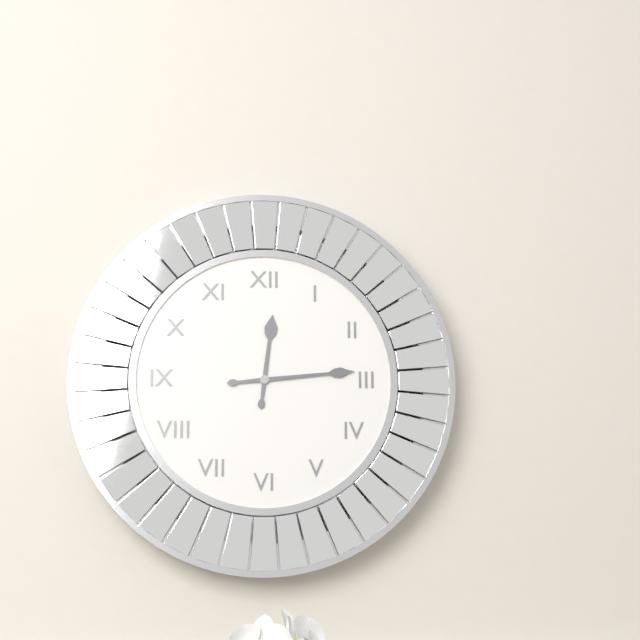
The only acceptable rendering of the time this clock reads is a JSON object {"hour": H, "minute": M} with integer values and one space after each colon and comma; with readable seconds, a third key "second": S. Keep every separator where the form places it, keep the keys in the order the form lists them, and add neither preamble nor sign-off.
{"hour": 12, "minute": 14}
